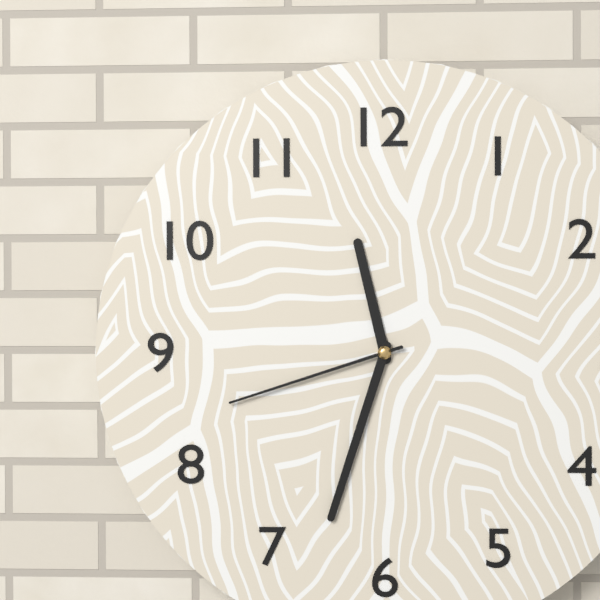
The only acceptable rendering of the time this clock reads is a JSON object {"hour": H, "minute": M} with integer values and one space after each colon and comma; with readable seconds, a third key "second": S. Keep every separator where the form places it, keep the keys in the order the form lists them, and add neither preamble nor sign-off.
{"hour": 11, "minute": 33, "second": 42}
